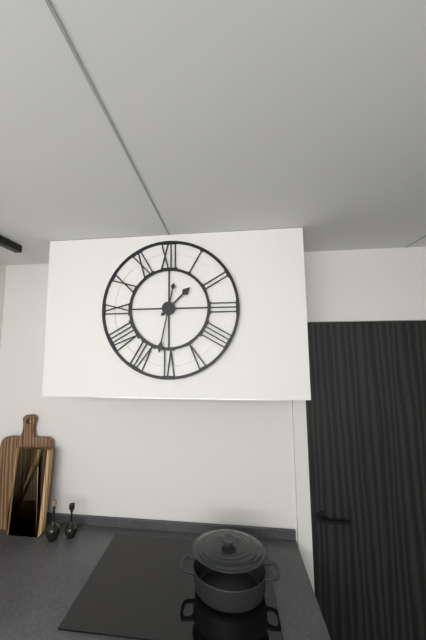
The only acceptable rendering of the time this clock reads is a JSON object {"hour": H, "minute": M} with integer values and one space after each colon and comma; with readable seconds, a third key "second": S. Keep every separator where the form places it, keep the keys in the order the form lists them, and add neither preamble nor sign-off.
{"hour": 1, "minute": 32}
